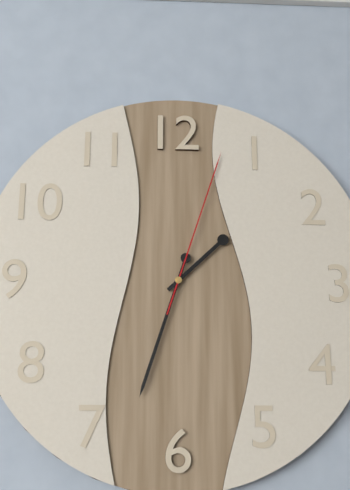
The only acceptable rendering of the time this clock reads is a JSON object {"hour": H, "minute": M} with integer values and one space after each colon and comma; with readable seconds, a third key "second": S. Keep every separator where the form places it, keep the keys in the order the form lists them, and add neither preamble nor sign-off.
{"hour": 1, "minute": 33, "second": 3}
